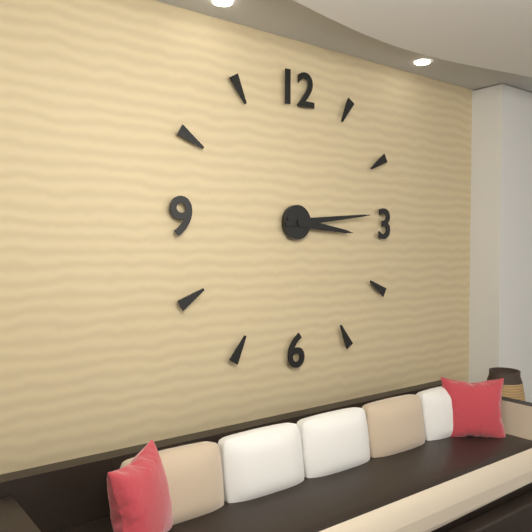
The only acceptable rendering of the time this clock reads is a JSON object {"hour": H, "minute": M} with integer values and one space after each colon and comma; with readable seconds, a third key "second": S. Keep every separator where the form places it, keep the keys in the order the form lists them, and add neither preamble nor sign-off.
{"hour": 3, "minute": 14}
